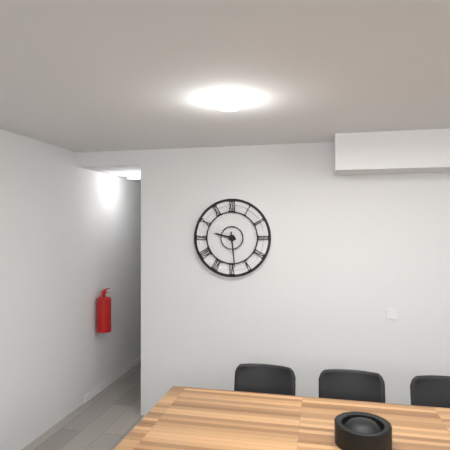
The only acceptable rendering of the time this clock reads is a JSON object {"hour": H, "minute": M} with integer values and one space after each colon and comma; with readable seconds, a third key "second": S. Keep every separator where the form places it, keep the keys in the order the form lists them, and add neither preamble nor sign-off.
{"hour": 9, "minute": 29}
